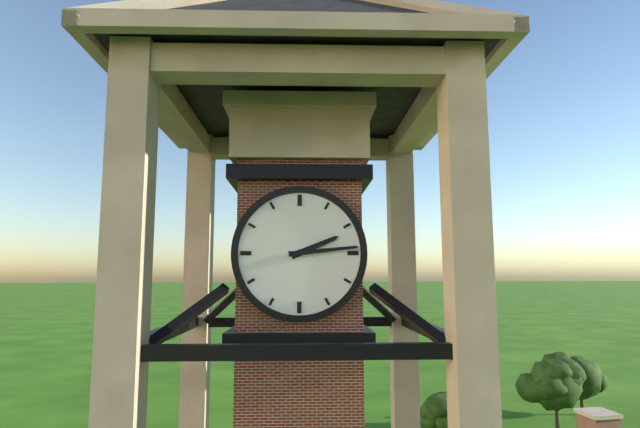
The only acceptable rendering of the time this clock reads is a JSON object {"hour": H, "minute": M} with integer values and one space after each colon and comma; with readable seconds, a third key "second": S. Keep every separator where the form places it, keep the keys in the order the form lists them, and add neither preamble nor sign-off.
{"hour": 2, "minute": 14}
